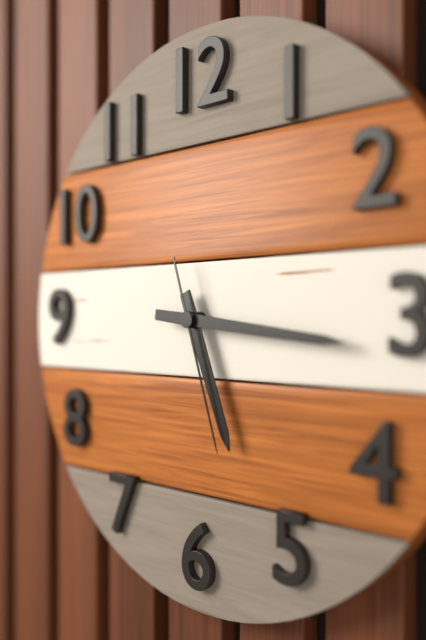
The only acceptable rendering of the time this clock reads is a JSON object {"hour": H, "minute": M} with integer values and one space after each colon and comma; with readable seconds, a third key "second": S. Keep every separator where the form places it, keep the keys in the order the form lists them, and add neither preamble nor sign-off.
{"hour": 5, "minute": 16, "second": 27}
